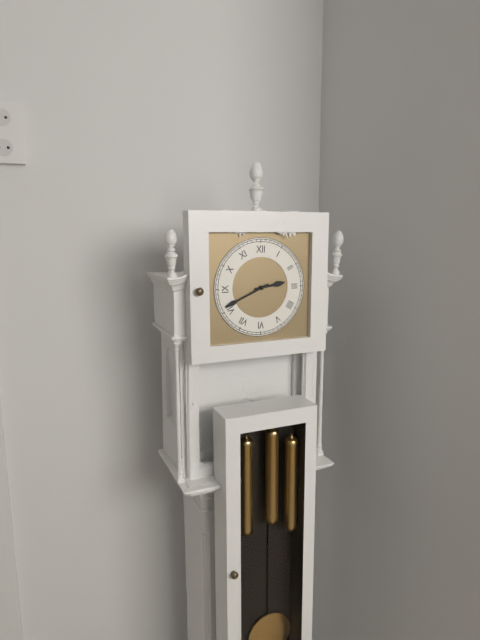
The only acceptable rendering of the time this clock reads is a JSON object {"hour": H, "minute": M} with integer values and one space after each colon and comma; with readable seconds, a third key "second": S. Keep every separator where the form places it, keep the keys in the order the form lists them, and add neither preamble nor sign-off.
{"hour": 2, "minute": 41}
